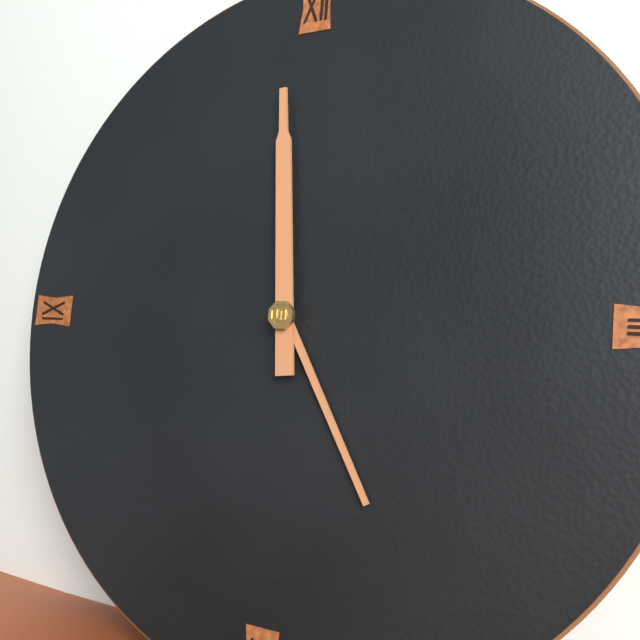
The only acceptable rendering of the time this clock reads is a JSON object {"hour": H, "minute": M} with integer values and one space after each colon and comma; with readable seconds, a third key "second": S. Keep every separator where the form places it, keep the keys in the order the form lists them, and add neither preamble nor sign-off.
{"hour": 4, "minute": 59}
